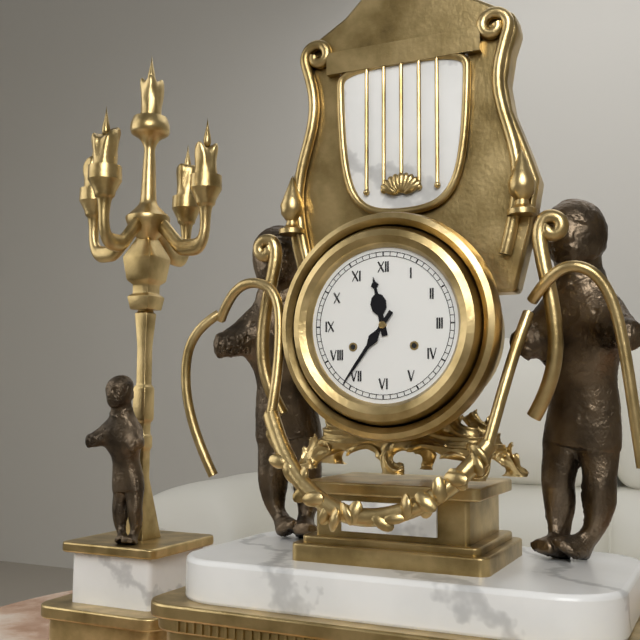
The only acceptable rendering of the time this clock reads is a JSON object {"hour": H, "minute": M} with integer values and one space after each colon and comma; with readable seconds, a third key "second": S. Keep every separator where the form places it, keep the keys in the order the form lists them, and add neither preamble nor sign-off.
{"hour": 11, "minute": 36}
